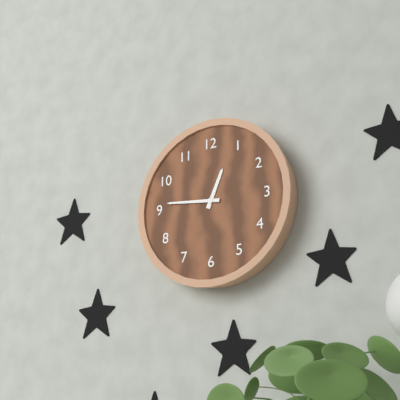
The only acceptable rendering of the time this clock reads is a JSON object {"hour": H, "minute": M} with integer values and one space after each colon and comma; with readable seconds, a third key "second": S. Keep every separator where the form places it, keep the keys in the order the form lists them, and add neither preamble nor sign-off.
{"hour": 12, "minute": 46}
